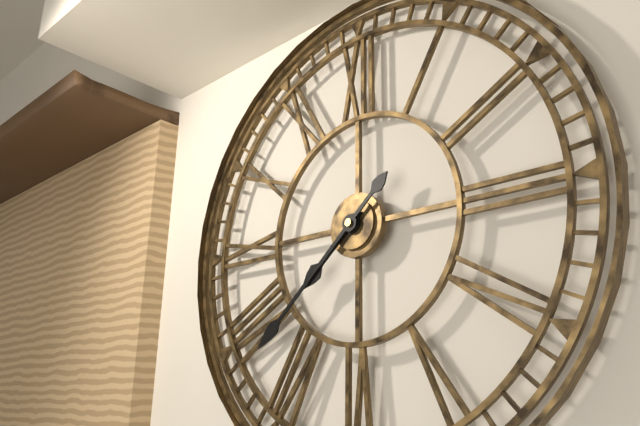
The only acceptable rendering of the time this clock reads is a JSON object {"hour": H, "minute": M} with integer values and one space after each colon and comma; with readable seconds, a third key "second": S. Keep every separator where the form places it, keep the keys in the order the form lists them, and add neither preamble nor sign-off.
{"hour": 7, "minute": 38}
